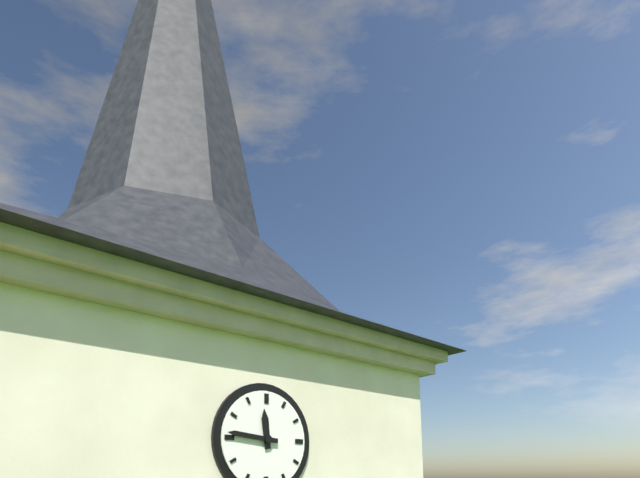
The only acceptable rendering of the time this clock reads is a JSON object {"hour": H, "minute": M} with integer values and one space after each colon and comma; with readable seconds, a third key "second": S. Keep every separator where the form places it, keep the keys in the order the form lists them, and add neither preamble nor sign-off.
{"hour": 11, "minute": 46}
